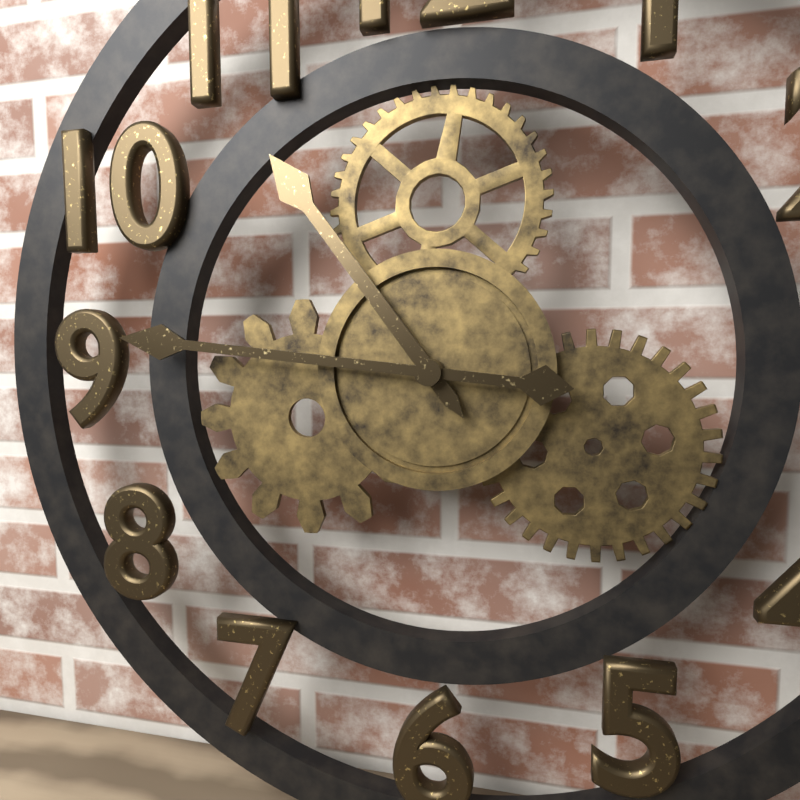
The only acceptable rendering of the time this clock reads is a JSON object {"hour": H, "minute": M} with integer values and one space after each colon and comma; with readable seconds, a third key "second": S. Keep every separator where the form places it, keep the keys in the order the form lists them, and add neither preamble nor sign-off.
{"hour": 10, "minute": 46}
